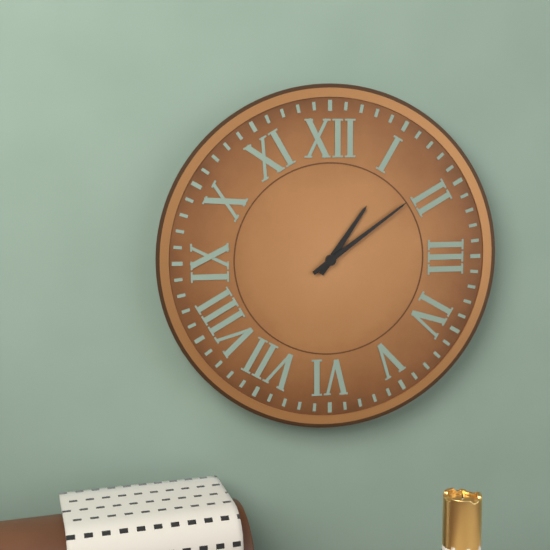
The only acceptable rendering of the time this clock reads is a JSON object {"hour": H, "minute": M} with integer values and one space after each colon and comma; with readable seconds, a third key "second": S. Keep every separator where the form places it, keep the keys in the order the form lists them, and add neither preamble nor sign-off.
{"hour": 1, "minute": 9}
